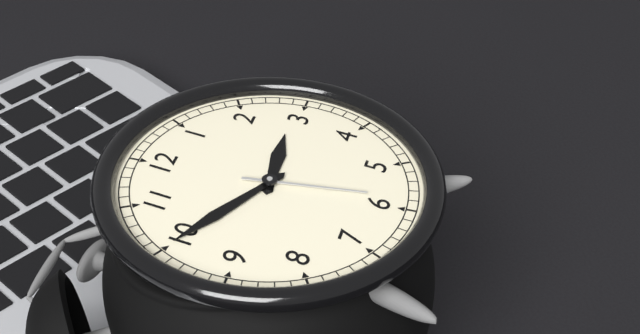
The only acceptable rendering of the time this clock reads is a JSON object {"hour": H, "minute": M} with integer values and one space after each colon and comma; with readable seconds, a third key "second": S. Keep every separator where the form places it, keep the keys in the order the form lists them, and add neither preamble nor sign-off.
{"hour": 2, "minute": 50, "second": 29}
